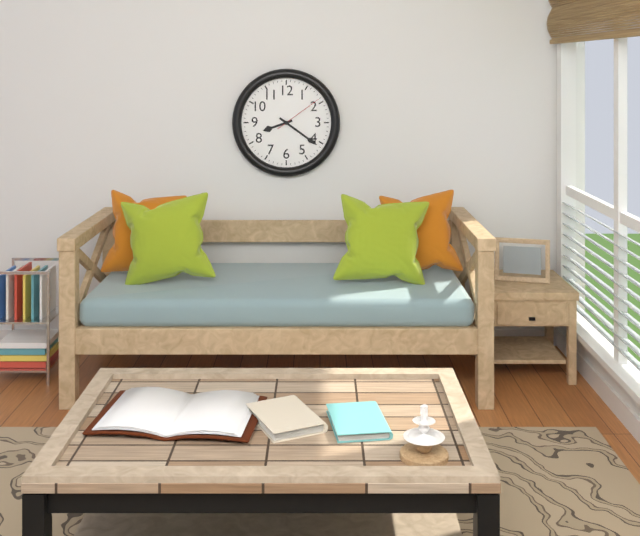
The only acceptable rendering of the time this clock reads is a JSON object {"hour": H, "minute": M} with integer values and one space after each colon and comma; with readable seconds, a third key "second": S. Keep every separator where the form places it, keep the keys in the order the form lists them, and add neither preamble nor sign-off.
{"hour": 8, "minute": 21, "second": 9}
